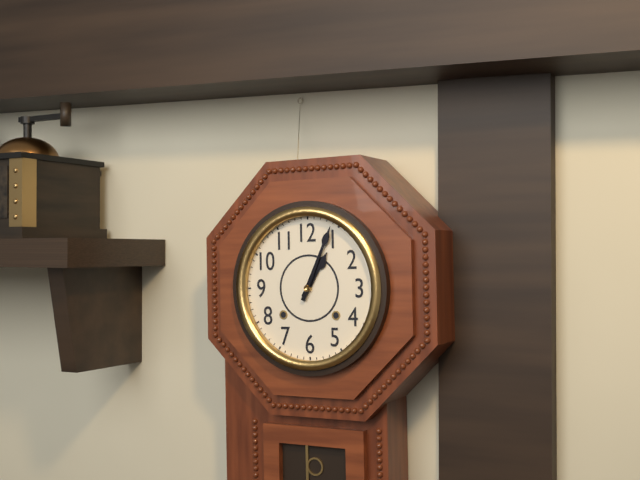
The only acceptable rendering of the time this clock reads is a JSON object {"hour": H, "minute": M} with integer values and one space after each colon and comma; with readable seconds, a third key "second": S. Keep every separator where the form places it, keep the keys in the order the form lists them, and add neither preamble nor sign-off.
{"hour": 1, "minute": 4}
